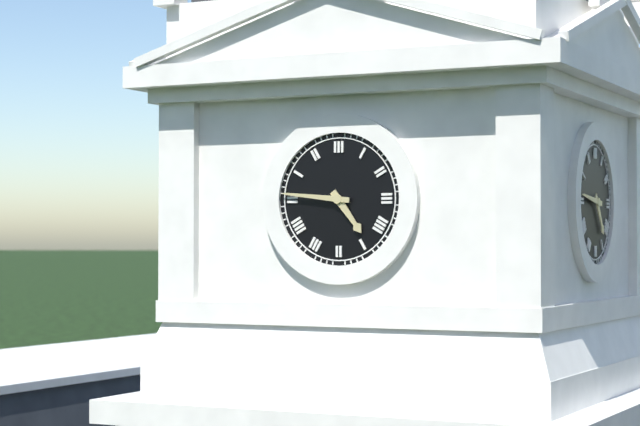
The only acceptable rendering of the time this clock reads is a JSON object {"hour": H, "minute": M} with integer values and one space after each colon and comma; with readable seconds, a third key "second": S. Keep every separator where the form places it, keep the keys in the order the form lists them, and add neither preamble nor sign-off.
{"hour": 4, "minute": 46}
